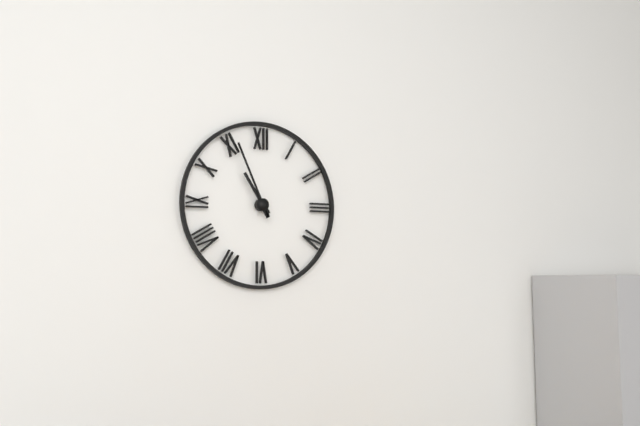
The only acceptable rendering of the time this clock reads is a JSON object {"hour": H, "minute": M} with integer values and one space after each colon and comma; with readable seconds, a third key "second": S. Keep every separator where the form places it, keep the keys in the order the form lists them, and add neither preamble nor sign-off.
{"hour": 10, "minute": 56}
